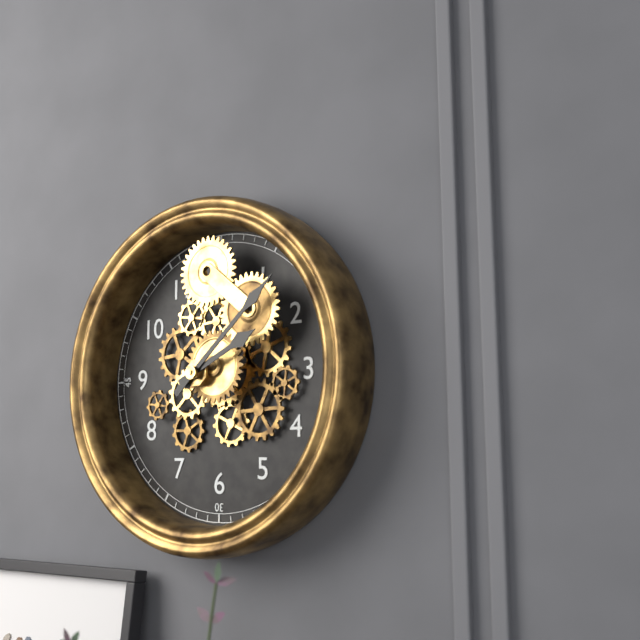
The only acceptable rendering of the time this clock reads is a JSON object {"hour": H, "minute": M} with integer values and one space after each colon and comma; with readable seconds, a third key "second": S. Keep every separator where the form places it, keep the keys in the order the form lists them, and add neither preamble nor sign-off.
{"hour": 2, "minute": 8}
